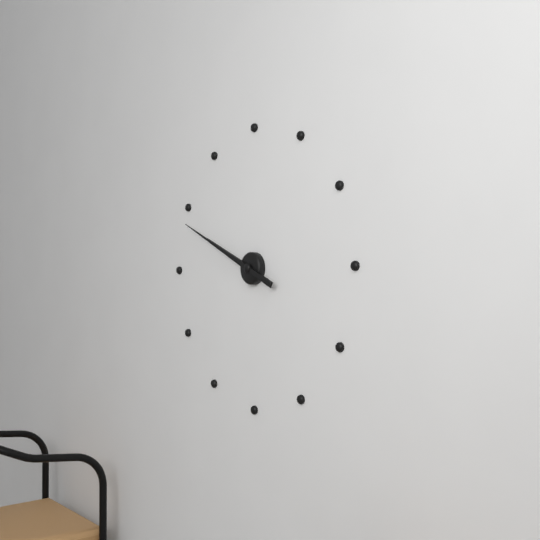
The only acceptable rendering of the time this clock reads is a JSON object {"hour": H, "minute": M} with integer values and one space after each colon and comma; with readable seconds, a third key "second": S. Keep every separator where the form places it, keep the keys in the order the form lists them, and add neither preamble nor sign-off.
{"hour": 9, "minute": 49}
